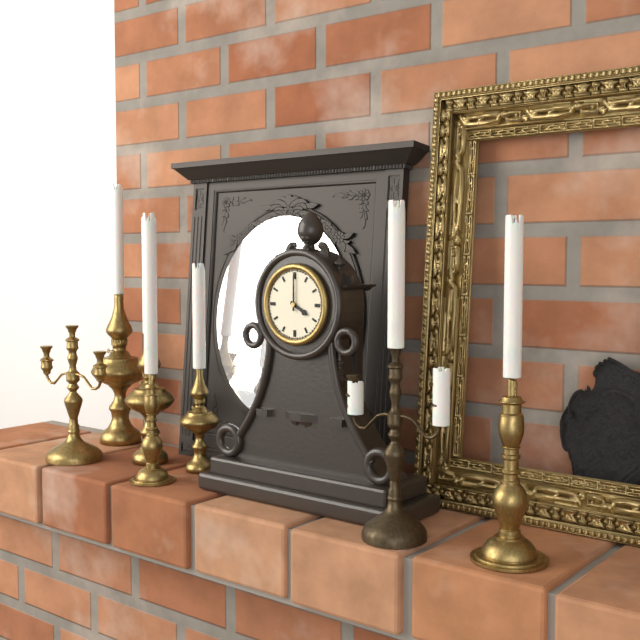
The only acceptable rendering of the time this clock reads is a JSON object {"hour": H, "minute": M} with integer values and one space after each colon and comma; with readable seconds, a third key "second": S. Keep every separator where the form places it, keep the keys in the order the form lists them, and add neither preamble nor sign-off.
{"hour": 4, "minute": 0}
